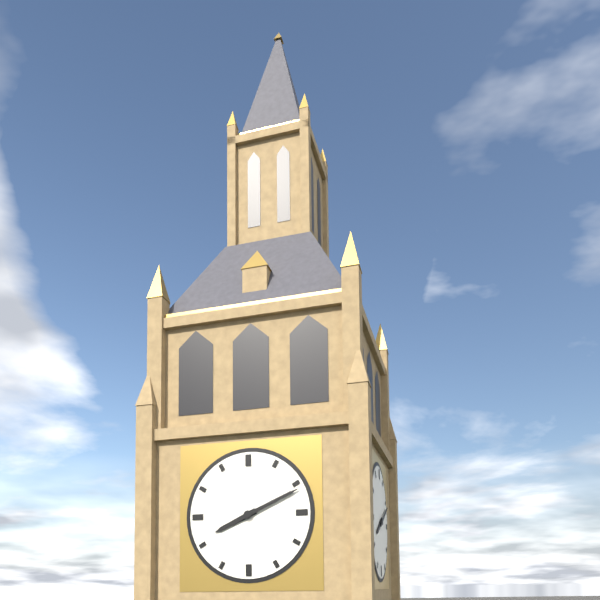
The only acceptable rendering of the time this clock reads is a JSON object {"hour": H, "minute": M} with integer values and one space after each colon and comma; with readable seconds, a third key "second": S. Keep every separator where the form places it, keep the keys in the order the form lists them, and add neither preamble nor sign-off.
{"hour": 8, "minute": 11}
